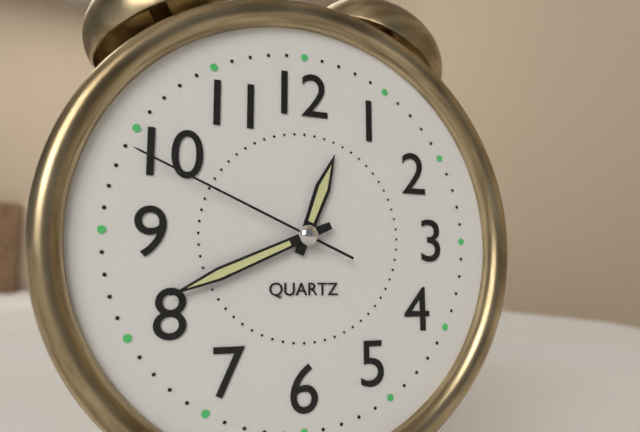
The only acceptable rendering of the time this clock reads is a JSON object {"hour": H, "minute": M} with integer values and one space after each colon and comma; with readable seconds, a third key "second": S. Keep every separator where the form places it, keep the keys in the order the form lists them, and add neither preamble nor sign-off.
{"hour": 12, "minute": 41, "second": 49}
